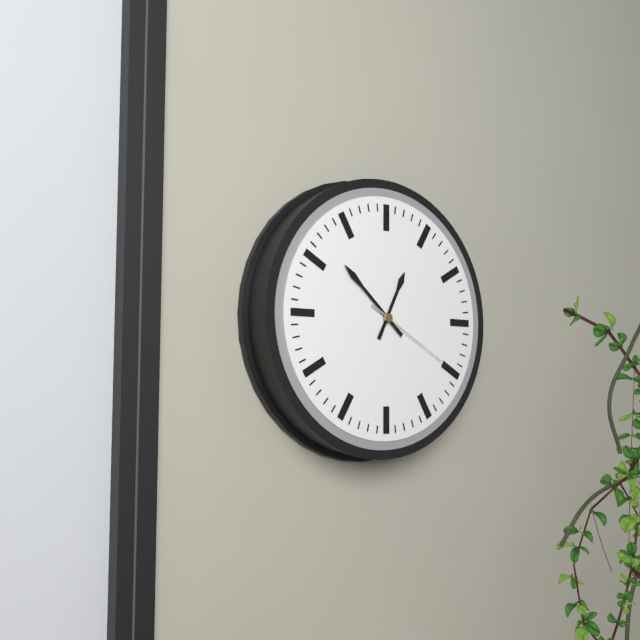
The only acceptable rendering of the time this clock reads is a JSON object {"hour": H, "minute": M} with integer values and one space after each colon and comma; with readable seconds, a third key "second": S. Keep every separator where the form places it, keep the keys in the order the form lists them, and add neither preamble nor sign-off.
{"hour": 12, "minute": 52, "second": 20}
